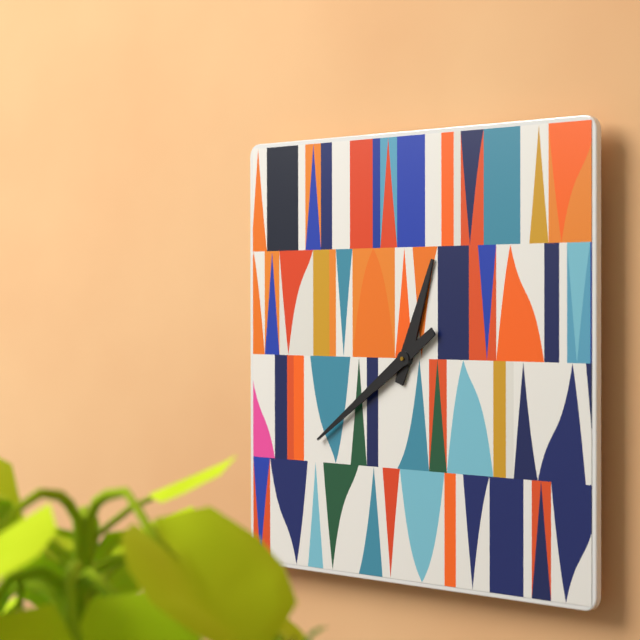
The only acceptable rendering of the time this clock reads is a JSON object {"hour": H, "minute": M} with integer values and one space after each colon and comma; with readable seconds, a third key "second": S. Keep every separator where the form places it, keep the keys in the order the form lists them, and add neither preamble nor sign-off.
{"hour": 12, "minute": 39}
